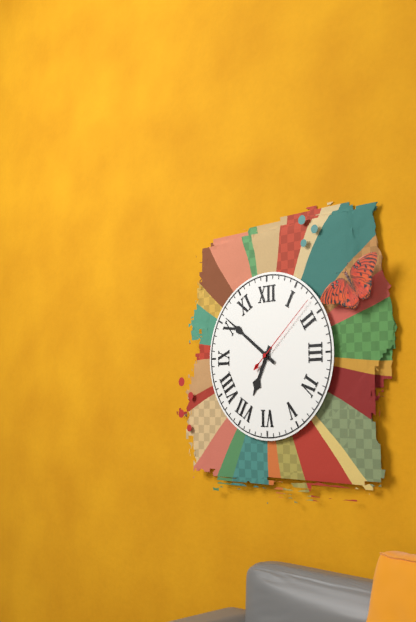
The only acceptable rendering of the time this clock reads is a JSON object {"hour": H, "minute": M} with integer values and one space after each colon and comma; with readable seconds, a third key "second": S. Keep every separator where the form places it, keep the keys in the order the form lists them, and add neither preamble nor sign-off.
{"hour": 6, "minute": 51, "second": 8}
